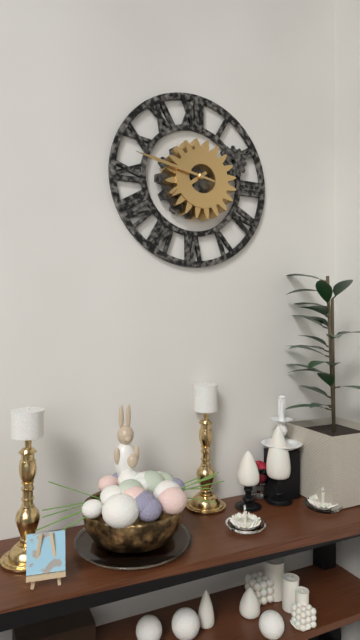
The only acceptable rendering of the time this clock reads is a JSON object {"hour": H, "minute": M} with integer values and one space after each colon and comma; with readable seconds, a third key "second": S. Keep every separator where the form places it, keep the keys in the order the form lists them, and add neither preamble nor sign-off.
{"hour": 7, "minute": 47}
